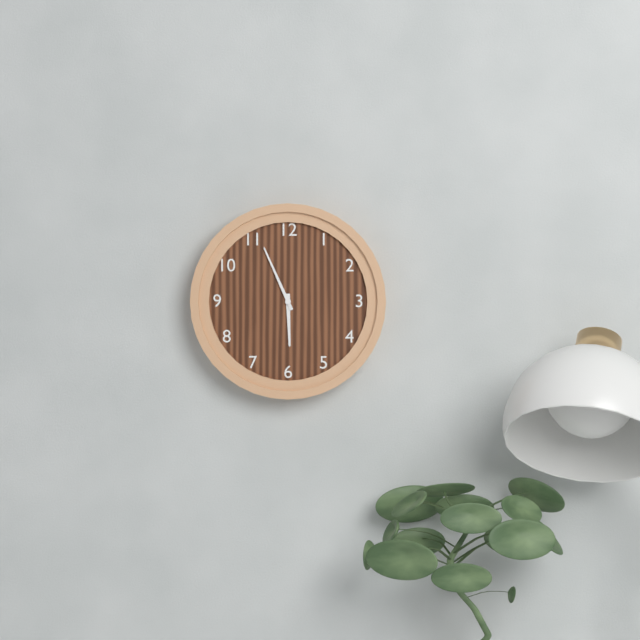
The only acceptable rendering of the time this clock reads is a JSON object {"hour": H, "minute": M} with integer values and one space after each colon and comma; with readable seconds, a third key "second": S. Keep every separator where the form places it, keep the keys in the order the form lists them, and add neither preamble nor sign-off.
{"hour": 5, "minute": 56}
